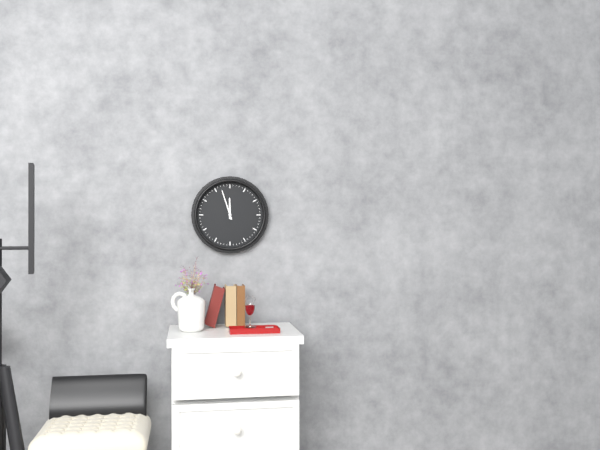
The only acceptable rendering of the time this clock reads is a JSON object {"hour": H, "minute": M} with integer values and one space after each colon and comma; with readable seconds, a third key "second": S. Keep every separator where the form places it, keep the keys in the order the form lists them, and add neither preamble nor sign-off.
{"hour": 11, "minute": 57}
